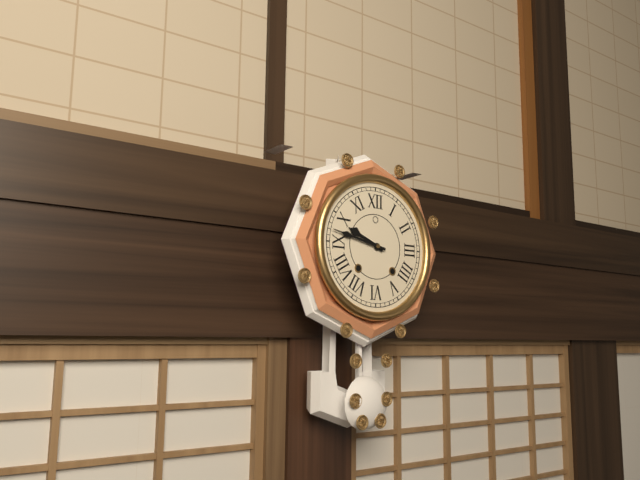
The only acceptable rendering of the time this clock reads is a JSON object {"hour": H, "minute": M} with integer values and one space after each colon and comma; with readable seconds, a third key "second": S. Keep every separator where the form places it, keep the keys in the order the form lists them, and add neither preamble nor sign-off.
{"hour": 9, "minute": 47}
